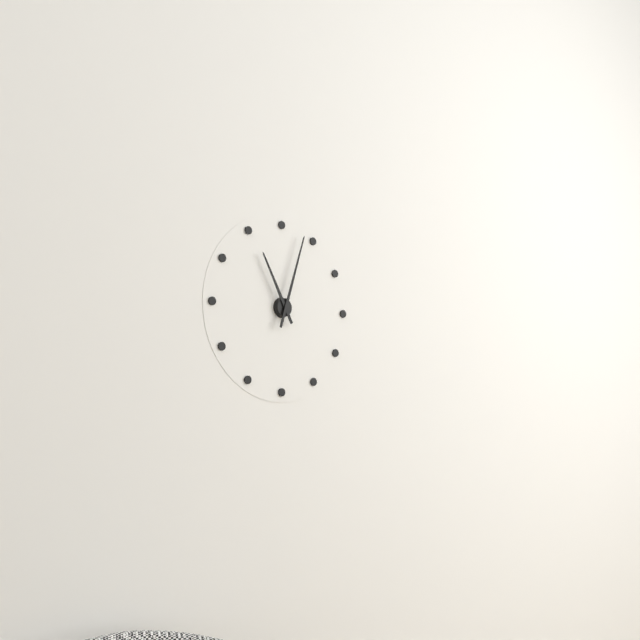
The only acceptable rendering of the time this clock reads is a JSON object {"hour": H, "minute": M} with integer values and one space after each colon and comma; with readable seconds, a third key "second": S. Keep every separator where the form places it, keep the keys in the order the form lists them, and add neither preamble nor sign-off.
{"hour": 11, "minute": 3}
